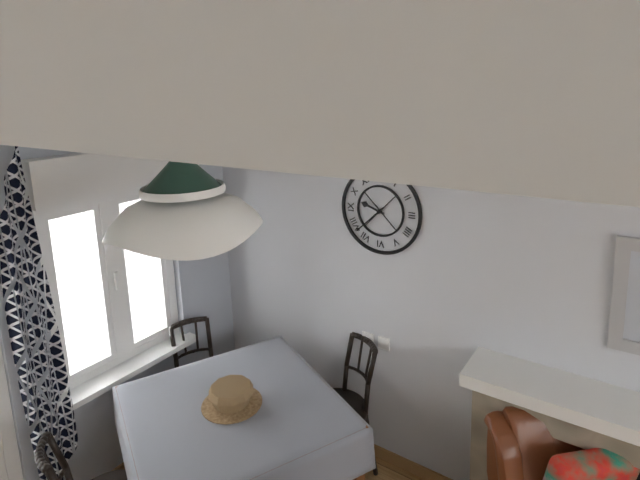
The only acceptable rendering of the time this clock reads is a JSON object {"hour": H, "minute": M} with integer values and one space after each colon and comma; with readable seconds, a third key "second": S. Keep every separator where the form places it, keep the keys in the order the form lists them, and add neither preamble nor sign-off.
{"hour": 9, "minute": 38}
